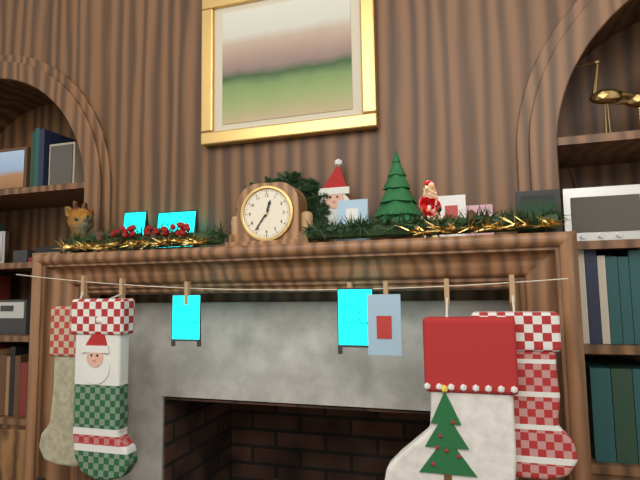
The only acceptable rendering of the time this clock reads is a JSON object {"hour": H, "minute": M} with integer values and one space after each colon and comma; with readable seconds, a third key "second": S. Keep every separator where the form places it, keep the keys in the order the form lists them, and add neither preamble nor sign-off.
{"hour": 12, "minute": 36}
